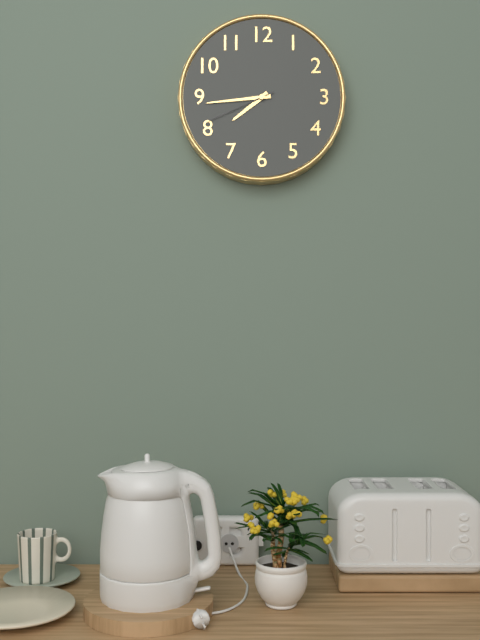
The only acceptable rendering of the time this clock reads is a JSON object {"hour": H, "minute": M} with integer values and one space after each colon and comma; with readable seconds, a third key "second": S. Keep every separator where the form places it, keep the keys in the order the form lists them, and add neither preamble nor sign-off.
{"hour": 7, "minute": 44, "second": 41}
